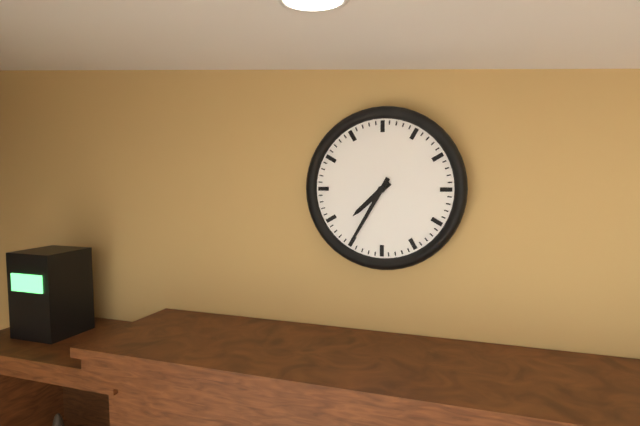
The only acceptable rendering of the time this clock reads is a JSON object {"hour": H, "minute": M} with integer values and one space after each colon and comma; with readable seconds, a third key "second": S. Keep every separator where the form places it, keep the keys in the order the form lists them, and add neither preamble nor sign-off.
{"hour": 7, "minute": 35}
